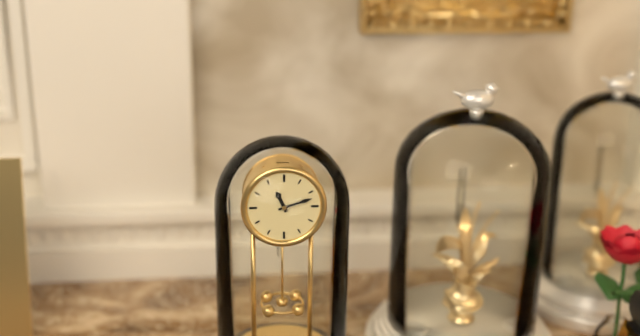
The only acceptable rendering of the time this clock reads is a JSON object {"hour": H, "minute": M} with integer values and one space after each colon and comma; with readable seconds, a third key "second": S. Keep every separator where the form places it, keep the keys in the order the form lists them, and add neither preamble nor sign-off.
{"hour": 11, "minute": 12}
